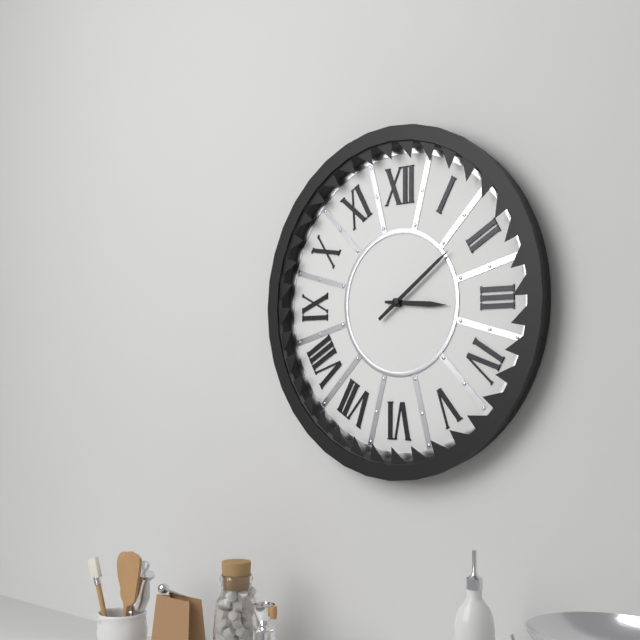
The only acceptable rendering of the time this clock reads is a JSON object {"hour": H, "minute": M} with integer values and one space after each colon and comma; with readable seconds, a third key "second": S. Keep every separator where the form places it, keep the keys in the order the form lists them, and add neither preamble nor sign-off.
{"hour": 3, "minute": 9}
